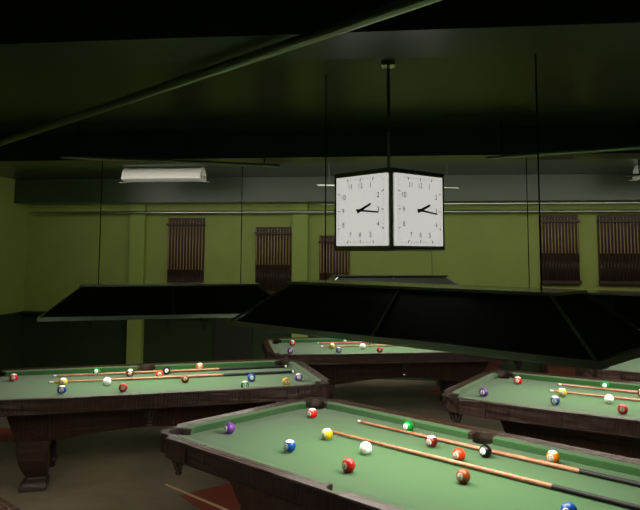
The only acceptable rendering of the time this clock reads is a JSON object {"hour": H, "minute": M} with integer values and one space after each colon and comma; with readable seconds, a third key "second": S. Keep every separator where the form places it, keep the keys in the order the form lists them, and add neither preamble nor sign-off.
{"hour": 2, "minute": 16}
